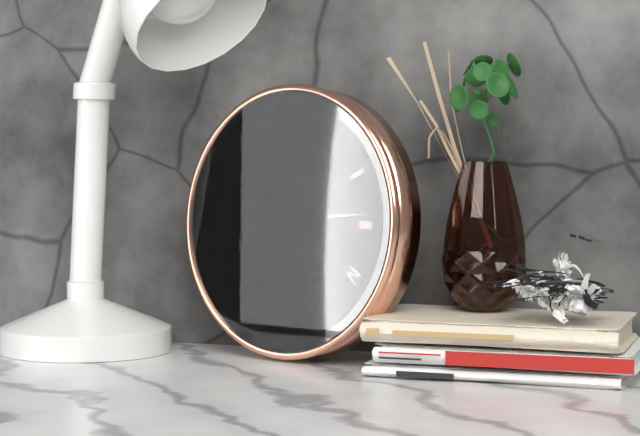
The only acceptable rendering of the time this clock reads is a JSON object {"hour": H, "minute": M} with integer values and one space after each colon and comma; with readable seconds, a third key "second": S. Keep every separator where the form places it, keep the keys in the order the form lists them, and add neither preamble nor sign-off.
{"hour": 2, "minute": 45, "second": 14}
